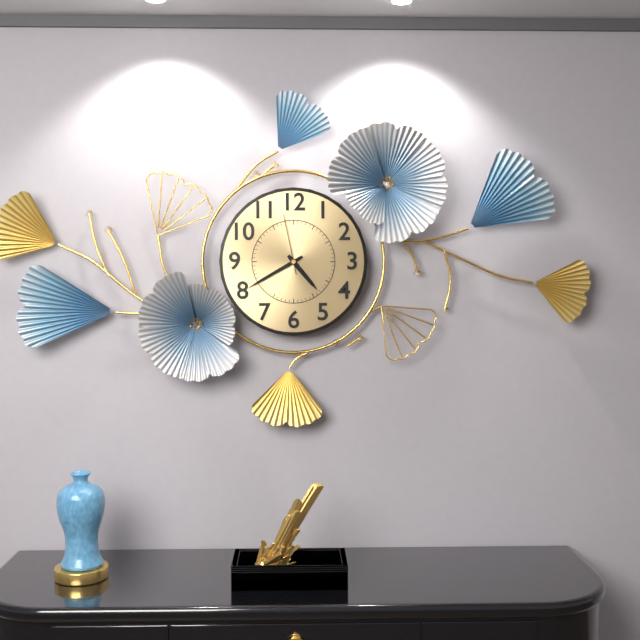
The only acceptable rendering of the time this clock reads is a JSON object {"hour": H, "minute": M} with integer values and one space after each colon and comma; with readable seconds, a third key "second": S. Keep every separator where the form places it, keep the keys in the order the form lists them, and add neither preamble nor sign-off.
{"hour": 4, "minute": 40, "second": 58}
